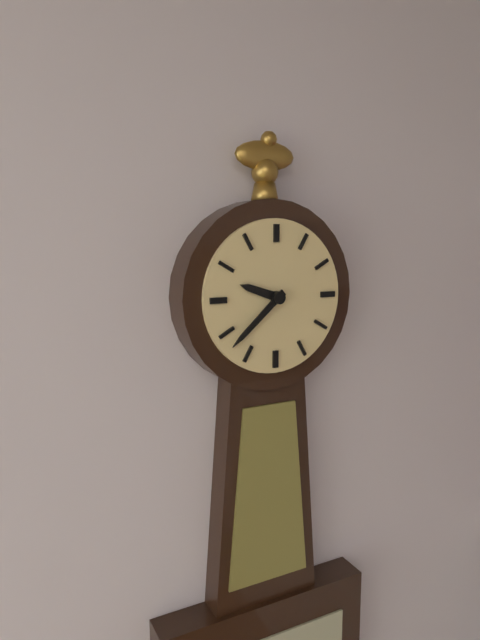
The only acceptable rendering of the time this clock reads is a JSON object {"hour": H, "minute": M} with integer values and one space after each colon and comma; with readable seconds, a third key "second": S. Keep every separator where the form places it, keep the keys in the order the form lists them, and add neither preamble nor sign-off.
{"hour": 9, "minute": 38}
